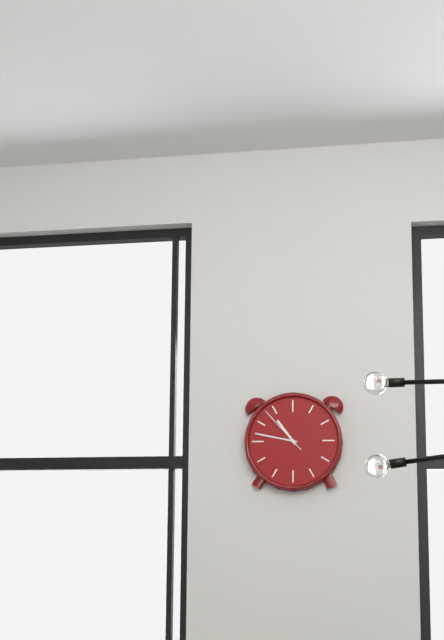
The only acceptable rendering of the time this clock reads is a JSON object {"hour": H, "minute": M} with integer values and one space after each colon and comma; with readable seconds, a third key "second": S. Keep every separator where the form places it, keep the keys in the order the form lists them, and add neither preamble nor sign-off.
{"hour": 10, "minute": 47, "second": 53}
